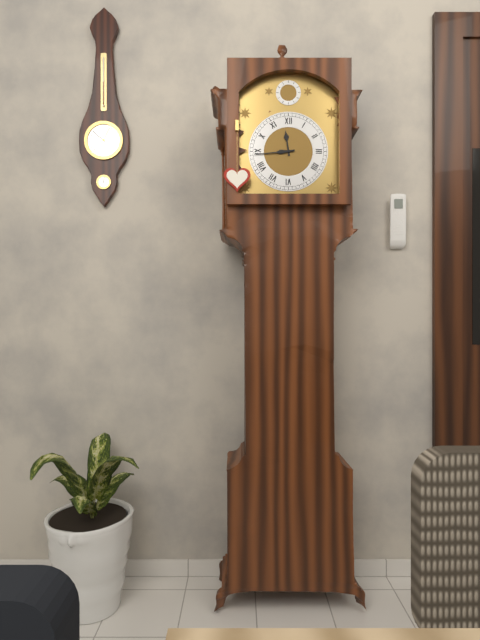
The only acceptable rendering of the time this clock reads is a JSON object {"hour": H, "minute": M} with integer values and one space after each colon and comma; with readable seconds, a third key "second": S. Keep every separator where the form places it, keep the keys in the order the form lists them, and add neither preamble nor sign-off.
{"hour": 11, "minute": 44}
